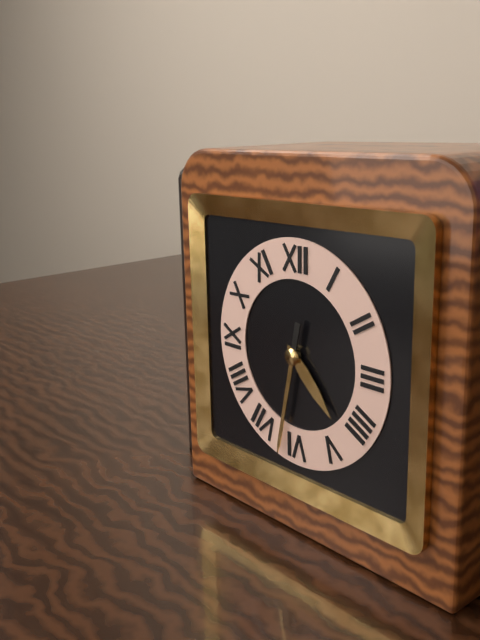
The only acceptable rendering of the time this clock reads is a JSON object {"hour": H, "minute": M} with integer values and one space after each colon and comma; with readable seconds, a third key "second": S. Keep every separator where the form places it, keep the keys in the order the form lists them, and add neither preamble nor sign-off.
{"hour": 4, "minute": 32}
